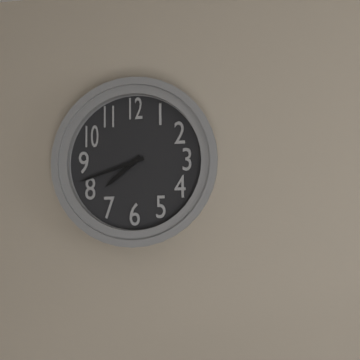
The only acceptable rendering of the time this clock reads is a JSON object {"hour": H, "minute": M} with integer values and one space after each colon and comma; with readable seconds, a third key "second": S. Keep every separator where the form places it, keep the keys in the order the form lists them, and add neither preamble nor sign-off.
{"hour": 7, "minute": 42}
